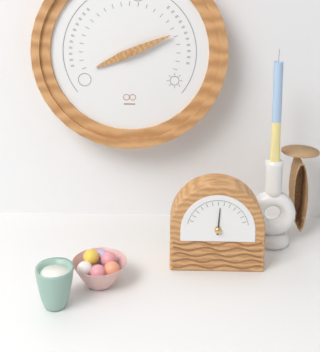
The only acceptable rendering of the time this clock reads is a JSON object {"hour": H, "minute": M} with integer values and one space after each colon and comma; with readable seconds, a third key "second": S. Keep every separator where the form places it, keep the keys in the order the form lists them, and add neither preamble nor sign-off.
{"hour": 8, "minute": 11}
